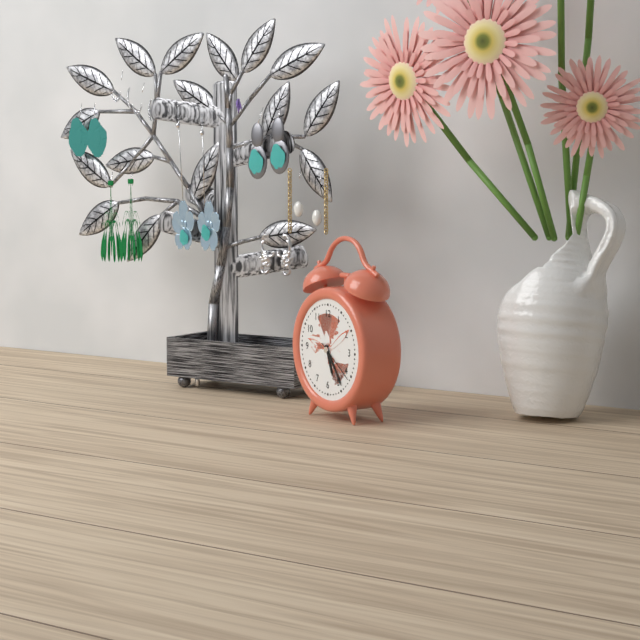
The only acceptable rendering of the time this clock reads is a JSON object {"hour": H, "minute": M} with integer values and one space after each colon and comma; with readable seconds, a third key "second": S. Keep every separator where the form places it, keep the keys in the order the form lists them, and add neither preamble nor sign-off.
{"hour": 5, "minute": 24}
